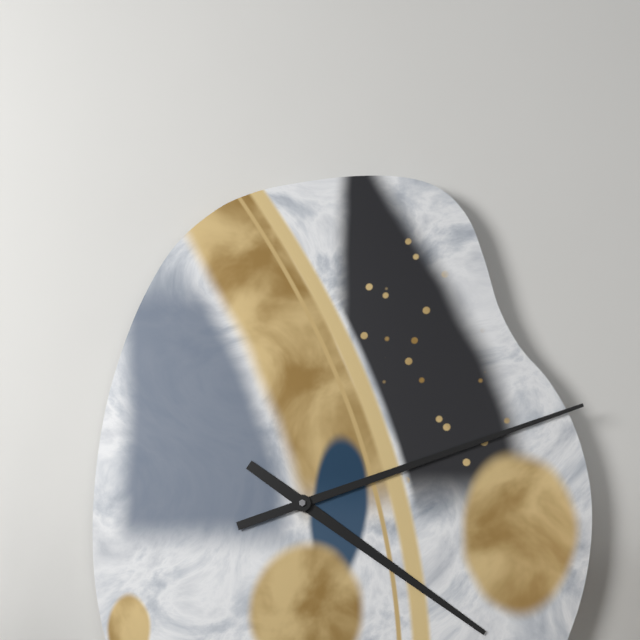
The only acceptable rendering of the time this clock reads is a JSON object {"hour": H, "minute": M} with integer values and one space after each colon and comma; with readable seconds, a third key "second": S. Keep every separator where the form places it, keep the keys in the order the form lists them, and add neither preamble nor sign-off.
{"hour": 4, "minute": 12}
